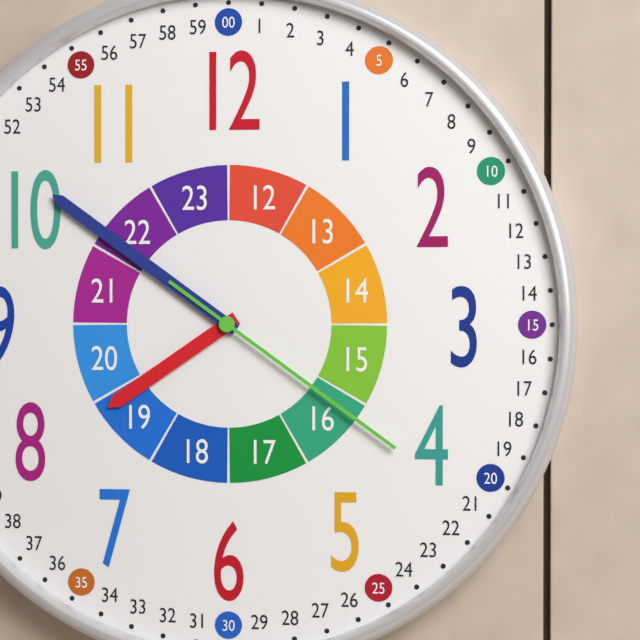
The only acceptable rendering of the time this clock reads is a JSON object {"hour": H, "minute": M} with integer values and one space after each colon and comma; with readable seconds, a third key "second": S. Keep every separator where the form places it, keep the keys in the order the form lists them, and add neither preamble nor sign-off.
{"hour": 7, "minute": 51, "second": 21}
